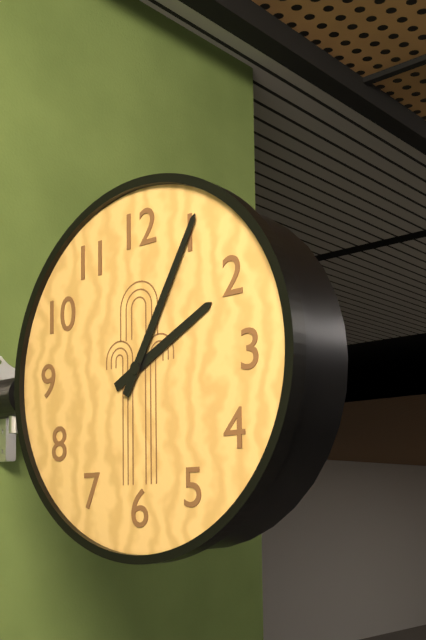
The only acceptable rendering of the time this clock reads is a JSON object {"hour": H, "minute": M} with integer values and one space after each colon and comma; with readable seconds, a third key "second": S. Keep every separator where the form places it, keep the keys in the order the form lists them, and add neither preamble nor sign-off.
{"hour": 2, "minute": 5}
